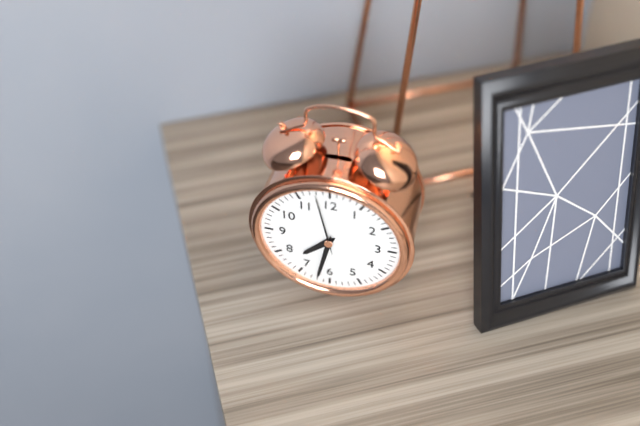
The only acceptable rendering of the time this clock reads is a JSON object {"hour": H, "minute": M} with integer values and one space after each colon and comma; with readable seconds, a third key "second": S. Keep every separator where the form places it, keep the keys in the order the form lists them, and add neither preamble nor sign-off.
{"hour": 7, "minute": 32, "second": 58}
